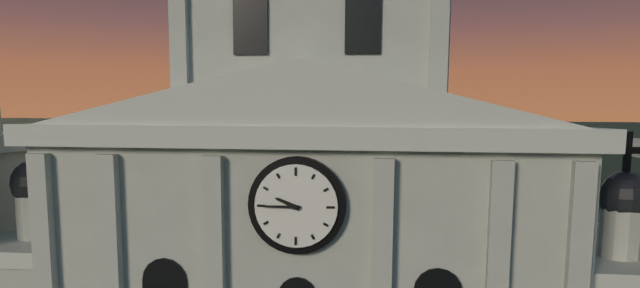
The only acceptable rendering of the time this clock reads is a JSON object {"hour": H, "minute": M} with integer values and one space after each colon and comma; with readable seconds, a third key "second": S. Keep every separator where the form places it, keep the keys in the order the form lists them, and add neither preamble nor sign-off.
{"hour": 9, "minute": 45}
